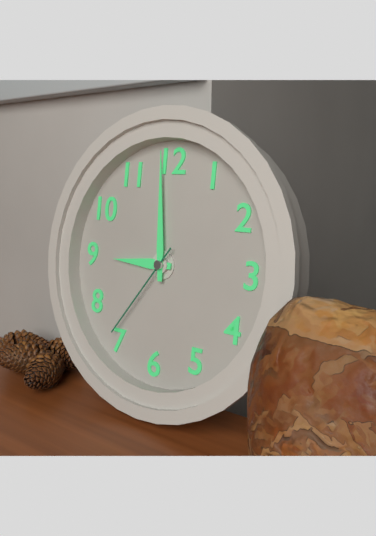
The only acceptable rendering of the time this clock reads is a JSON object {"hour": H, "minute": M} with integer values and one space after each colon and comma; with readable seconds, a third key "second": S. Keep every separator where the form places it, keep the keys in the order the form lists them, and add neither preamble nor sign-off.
{"hour": 8, "minute": 59, "second": 36}
